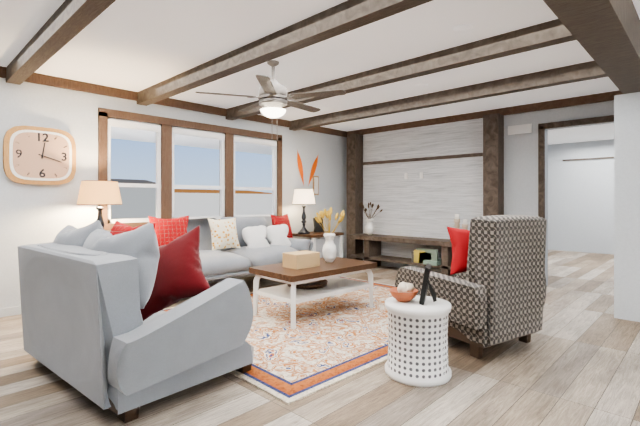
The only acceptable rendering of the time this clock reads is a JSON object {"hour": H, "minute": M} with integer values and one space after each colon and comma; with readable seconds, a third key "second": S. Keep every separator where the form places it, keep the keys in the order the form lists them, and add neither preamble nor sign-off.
{"hour": 12, "minute": 18}
